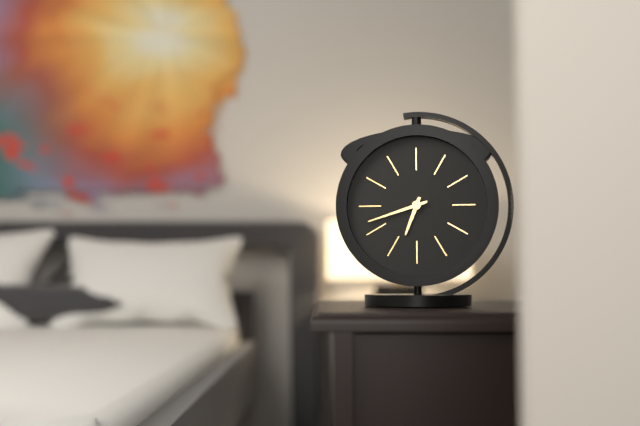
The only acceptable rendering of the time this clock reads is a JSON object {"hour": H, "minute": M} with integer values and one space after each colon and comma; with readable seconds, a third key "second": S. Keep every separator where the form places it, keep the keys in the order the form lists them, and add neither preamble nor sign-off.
{"hour": 6, "minute": 42}
